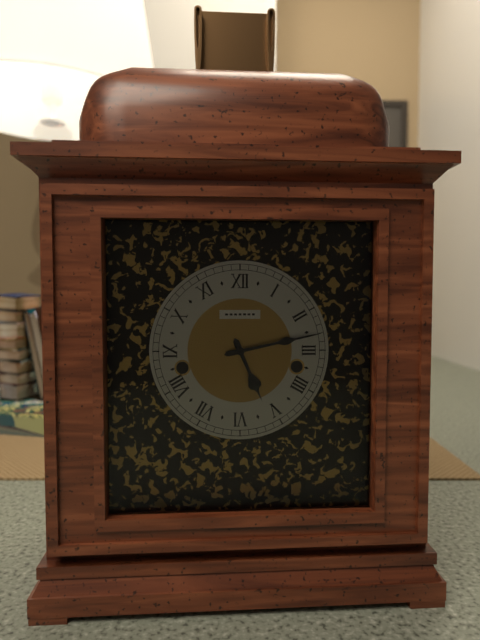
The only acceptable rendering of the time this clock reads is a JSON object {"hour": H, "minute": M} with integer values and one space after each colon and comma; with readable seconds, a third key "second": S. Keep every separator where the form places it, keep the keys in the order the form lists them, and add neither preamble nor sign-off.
{"hour": 5, "minute": 13}
